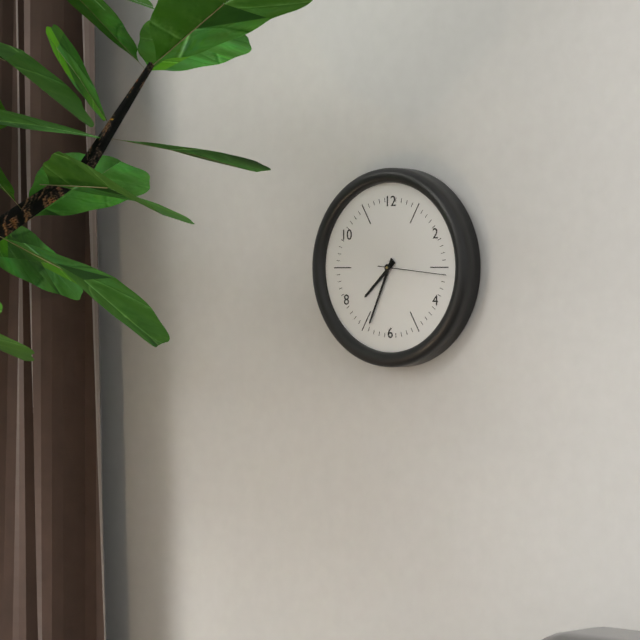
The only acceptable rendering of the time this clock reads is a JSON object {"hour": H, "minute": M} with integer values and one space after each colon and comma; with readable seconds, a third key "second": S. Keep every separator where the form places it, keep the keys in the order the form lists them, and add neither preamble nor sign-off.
{"hour": 7, "minute": 34, "second": 16}
